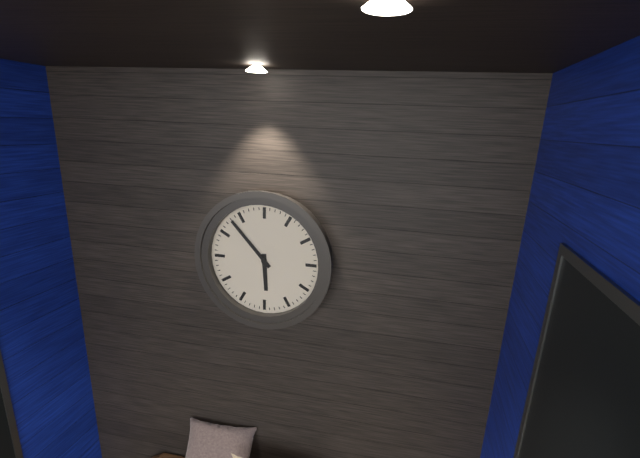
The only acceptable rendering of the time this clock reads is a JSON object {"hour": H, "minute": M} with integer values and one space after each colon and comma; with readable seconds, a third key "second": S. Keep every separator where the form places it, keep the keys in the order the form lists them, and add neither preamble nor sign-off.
{"hour": 5, "minute": 53}
